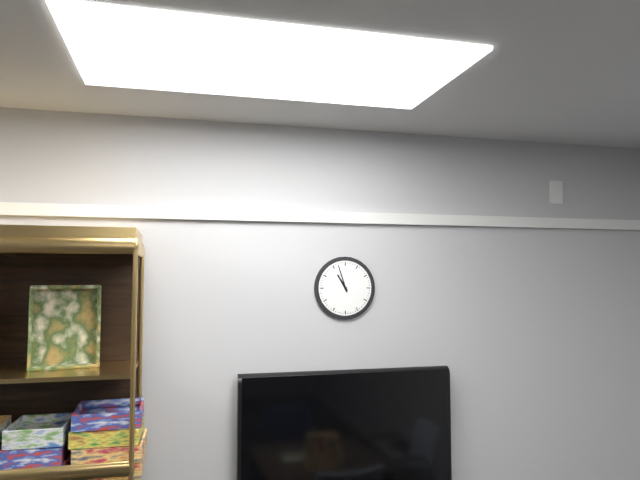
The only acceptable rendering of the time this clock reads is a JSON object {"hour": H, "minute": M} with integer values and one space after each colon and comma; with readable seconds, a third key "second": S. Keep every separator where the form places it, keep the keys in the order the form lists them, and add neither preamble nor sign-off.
{"hour": 10, "minute": 57}
